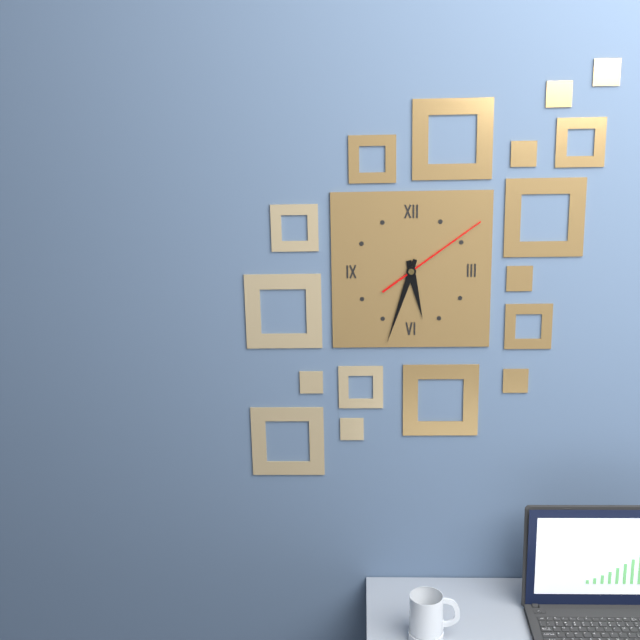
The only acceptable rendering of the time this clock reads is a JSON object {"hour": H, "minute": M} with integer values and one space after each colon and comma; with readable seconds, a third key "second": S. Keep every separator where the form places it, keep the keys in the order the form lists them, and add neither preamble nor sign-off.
{"hour": 5, "minute": 33, "second": 9}
